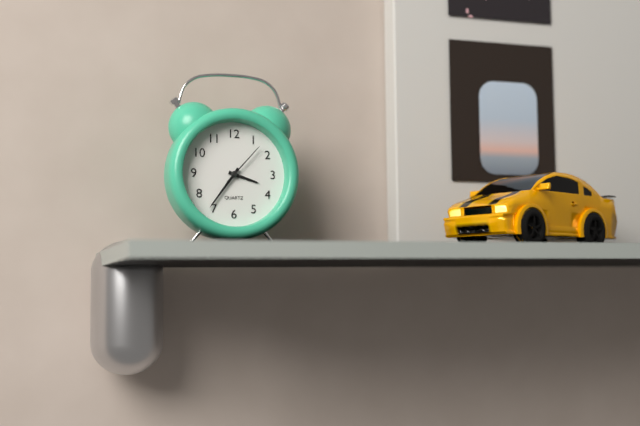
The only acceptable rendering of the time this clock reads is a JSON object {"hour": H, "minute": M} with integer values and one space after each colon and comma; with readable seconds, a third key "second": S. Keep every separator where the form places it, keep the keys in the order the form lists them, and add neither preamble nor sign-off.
{"hour": 3, "minute": 36}
